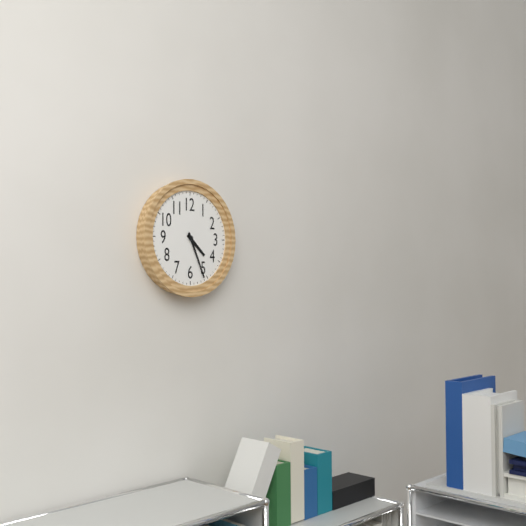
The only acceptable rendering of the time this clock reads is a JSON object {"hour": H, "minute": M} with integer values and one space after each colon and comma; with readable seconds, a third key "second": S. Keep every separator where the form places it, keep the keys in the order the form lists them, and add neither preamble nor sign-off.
{"hour": 4, "minute": 26}
